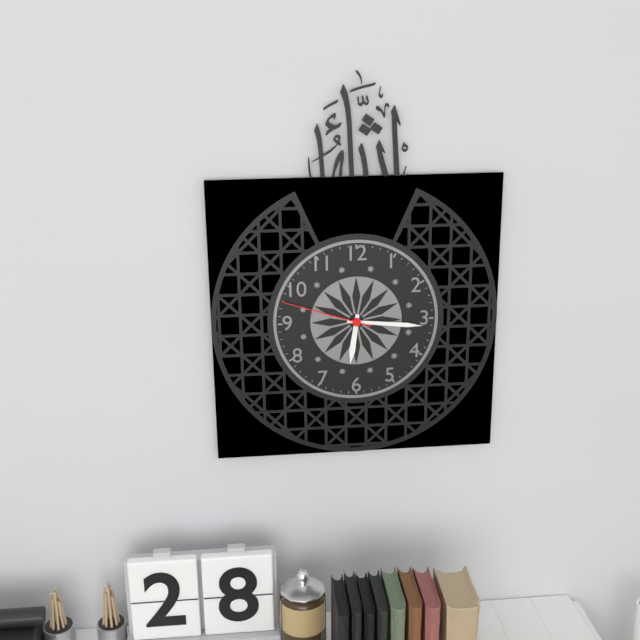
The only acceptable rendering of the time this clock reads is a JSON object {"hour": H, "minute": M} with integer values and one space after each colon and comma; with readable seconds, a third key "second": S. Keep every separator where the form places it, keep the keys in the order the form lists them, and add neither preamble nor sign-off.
{"hour": 6, "minute": 16, "second": 48}
